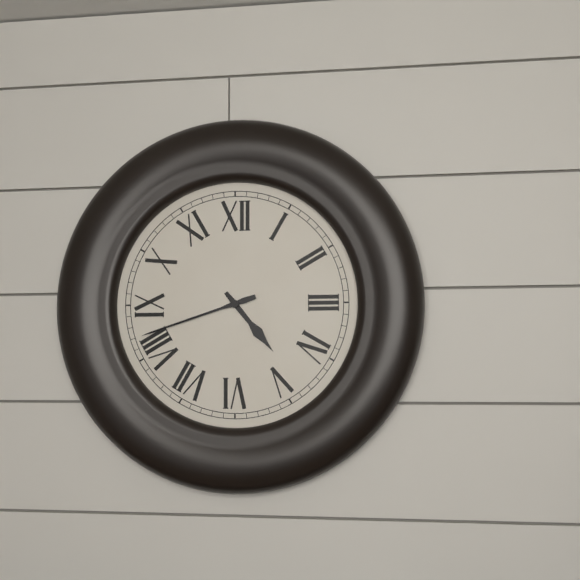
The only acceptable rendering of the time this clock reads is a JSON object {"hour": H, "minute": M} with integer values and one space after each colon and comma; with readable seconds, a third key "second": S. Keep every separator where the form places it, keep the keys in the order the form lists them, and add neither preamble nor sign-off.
{"hour": 4, "minute": 42}
